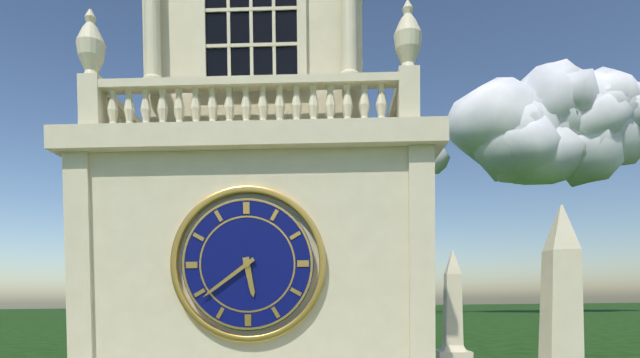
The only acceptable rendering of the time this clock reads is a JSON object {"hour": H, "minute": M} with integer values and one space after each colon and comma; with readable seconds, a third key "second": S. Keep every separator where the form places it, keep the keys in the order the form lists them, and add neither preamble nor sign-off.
{"hour": 5, "minute": 39}
